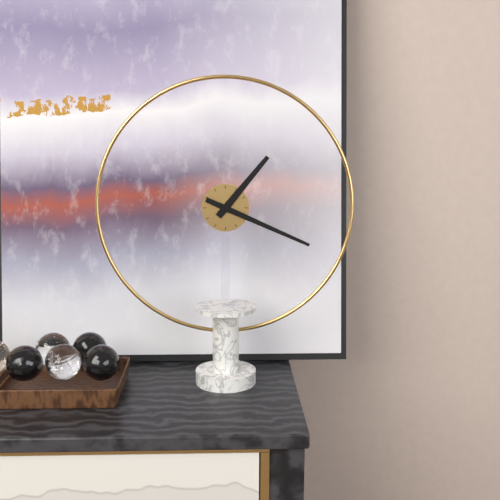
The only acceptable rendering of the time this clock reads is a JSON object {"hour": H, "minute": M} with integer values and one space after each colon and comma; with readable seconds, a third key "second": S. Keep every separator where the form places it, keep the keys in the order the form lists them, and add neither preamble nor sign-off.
{"hour": 1, "minute": 19}
